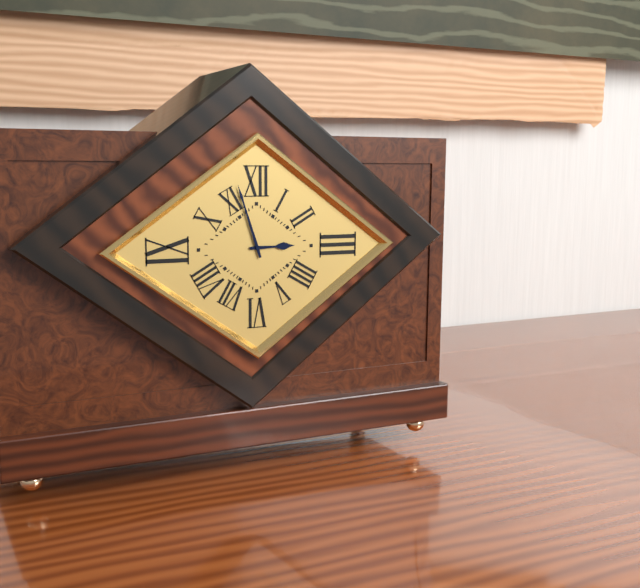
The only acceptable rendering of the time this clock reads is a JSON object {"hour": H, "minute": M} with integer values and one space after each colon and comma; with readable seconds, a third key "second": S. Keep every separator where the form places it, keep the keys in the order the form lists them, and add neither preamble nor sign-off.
{"hour": 2, "minute": 57}
